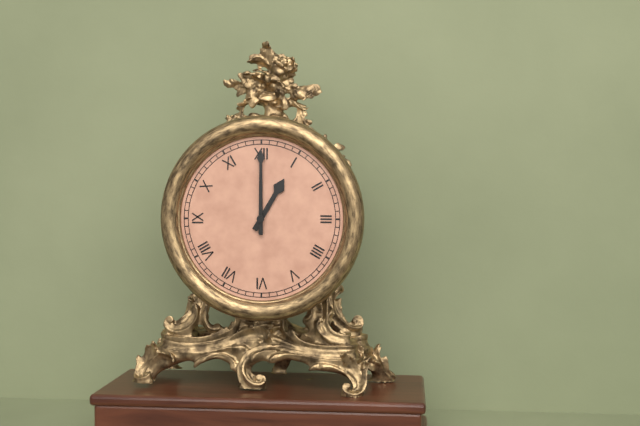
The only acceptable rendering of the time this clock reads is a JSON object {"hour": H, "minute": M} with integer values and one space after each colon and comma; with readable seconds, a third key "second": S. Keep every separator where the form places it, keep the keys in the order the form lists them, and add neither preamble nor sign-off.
{"hour": 1, "minute": 0}
